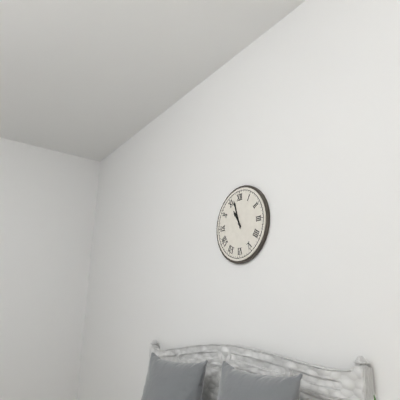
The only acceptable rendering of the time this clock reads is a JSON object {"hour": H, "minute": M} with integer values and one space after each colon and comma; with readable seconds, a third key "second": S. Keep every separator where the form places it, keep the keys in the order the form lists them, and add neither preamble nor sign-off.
{"hour": 10, "minute": 57}
